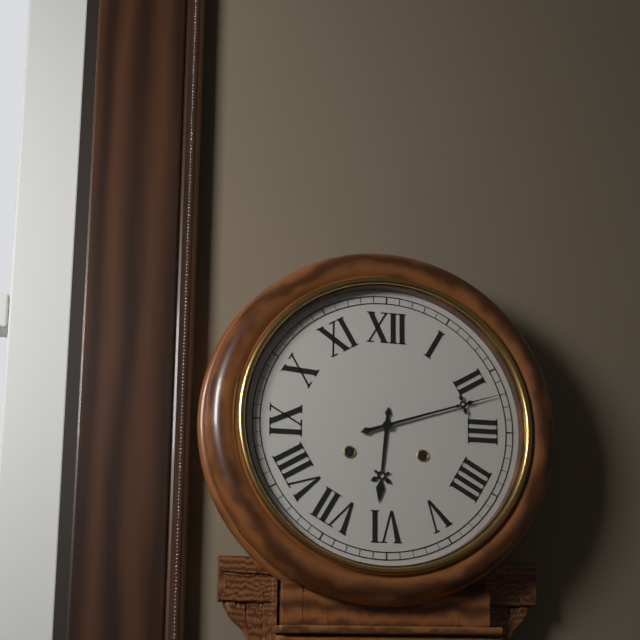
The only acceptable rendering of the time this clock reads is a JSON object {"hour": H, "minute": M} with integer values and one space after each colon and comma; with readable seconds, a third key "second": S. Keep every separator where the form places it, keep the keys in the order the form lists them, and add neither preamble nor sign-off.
{"hour": 6, "minute": 12}
